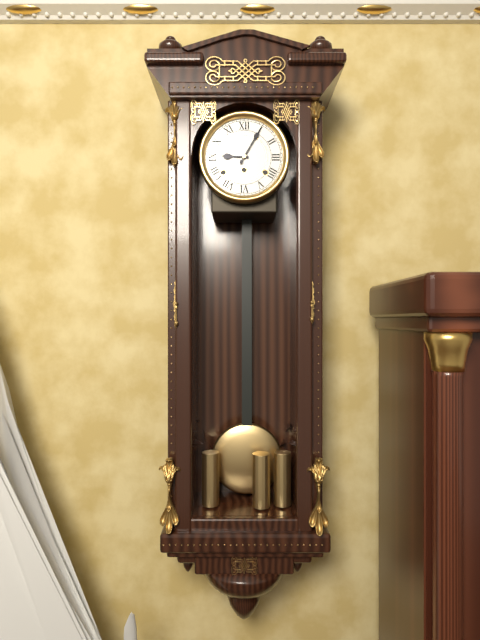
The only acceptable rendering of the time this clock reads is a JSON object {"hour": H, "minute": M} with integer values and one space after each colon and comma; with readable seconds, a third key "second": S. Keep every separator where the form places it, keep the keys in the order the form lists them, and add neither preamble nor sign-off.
{"hour": 9, "minute": 5}
